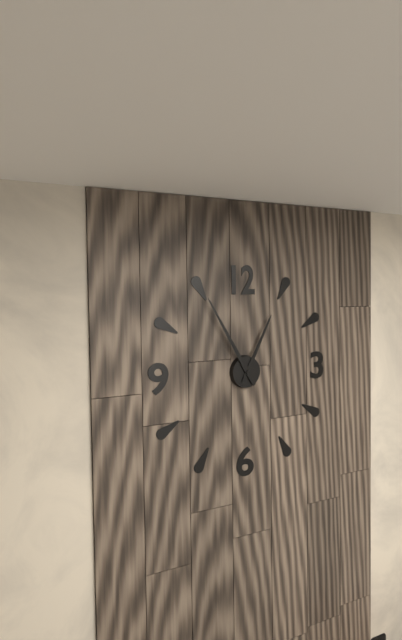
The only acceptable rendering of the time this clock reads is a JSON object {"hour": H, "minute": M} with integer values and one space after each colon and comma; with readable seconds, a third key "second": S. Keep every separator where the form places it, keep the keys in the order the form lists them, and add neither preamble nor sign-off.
{"hour": 12, "minute": 55}
